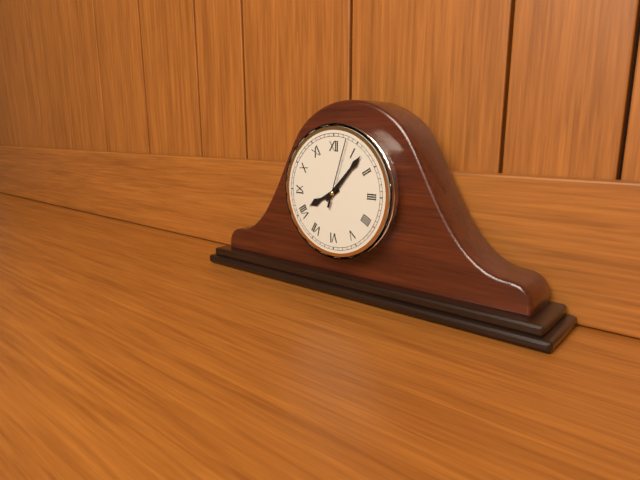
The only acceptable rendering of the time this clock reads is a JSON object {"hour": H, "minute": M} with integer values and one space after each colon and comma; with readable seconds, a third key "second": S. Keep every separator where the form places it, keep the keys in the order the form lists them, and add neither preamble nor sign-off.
{"hour": 8, "minute": 7, "second": 3}
